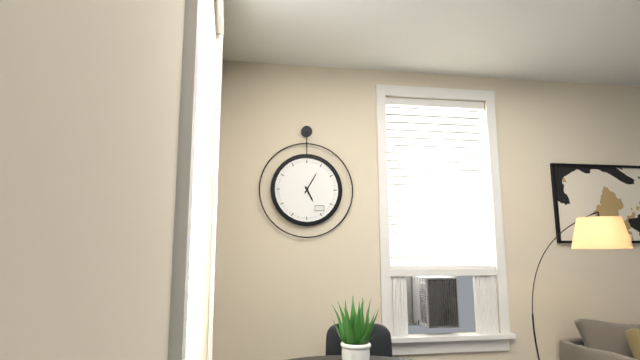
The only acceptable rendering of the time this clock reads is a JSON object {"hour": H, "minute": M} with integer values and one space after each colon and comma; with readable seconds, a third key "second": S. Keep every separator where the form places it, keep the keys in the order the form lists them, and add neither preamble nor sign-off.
{"hour": 5, "minute": 5}
